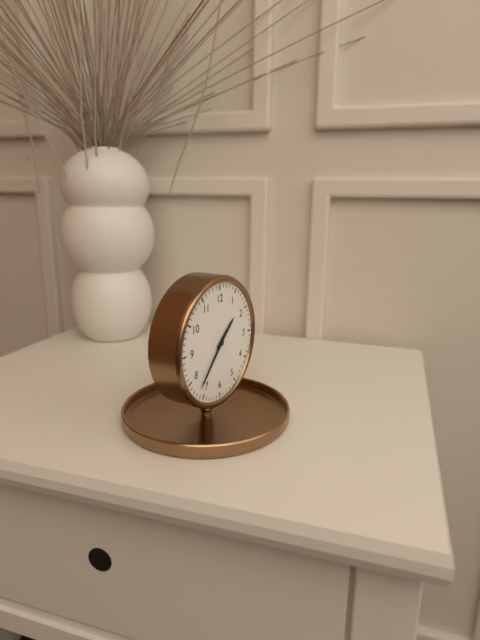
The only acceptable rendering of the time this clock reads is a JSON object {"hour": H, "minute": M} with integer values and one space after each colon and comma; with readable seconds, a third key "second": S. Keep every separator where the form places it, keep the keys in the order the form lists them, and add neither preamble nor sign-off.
{"hour": 1, "minute": 37}
